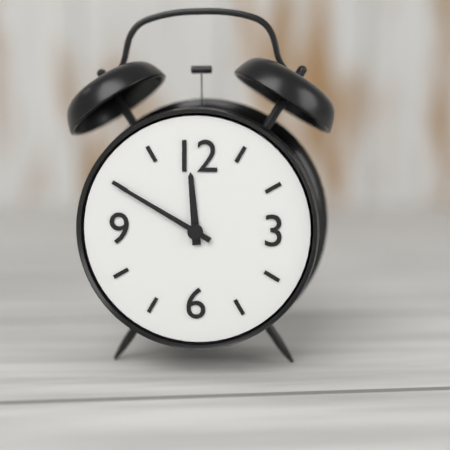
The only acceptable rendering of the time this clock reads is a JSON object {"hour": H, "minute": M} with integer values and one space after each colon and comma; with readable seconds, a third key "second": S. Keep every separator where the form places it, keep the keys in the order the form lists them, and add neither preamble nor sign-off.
{"hour": 11, "minute": 50}
